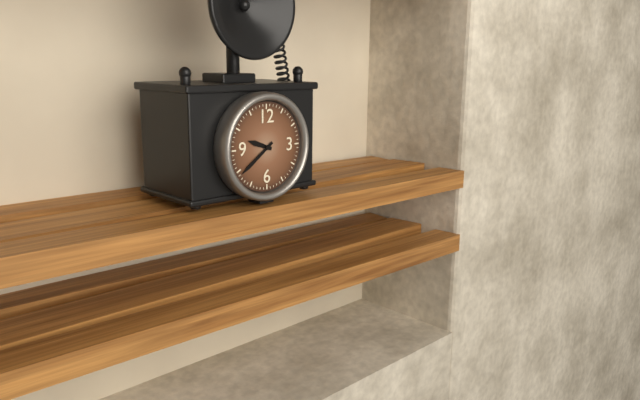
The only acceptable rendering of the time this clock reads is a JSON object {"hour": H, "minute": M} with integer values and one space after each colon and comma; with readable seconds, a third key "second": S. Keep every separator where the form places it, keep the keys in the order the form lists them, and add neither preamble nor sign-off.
{"hour": 9, "minute": 39}
